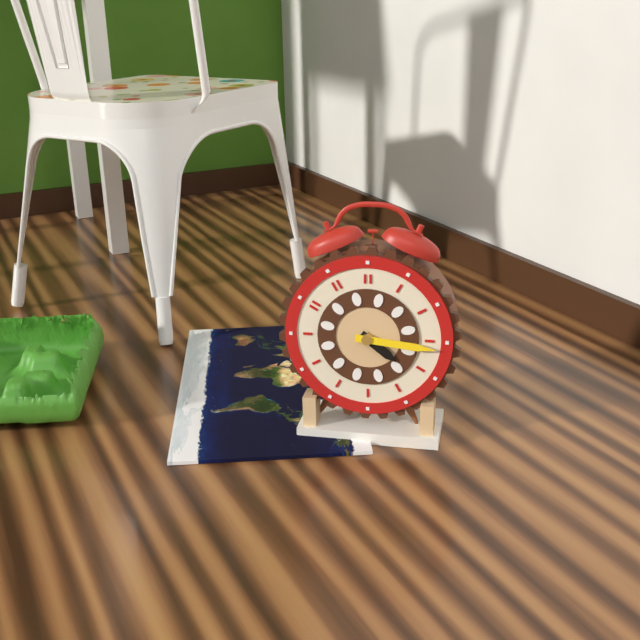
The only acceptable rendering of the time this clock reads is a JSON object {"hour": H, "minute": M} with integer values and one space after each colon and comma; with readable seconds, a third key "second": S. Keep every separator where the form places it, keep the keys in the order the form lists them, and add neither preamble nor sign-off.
{"hour": 4, "minute": 16}
